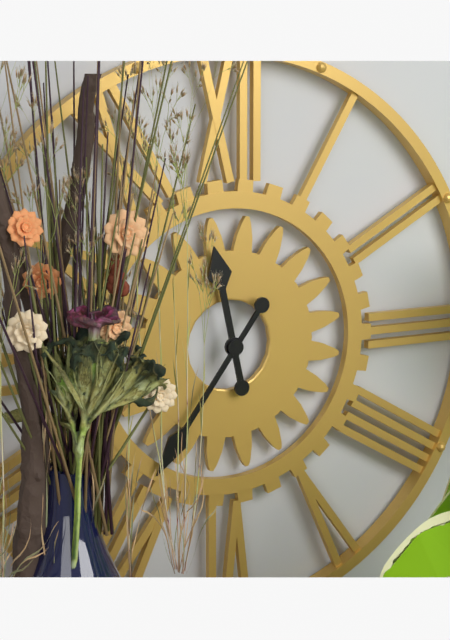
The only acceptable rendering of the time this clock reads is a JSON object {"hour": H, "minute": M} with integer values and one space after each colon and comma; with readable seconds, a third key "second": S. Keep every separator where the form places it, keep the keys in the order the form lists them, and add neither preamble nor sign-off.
{"hour": 11, "minute": 36}
